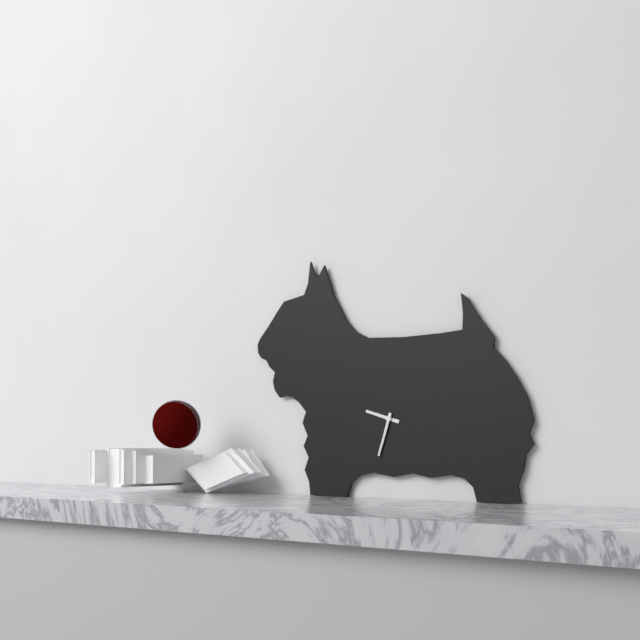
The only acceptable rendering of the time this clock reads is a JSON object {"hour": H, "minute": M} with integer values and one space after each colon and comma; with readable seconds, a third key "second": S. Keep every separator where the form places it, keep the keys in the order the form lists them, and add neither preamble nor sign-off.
{"hour": 9, "minute": 33}
